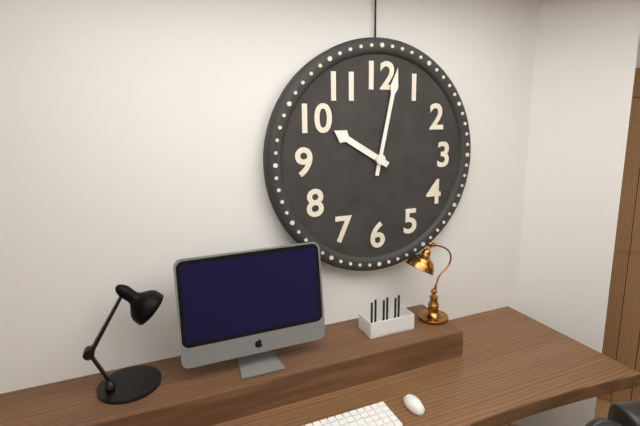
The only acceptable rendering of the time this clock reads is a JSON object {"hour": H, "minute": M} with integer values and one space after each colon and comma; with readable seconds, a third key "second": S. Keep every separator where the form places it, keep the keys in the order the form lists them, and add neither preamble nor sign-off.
{"hour": 10, "minute": 2}
